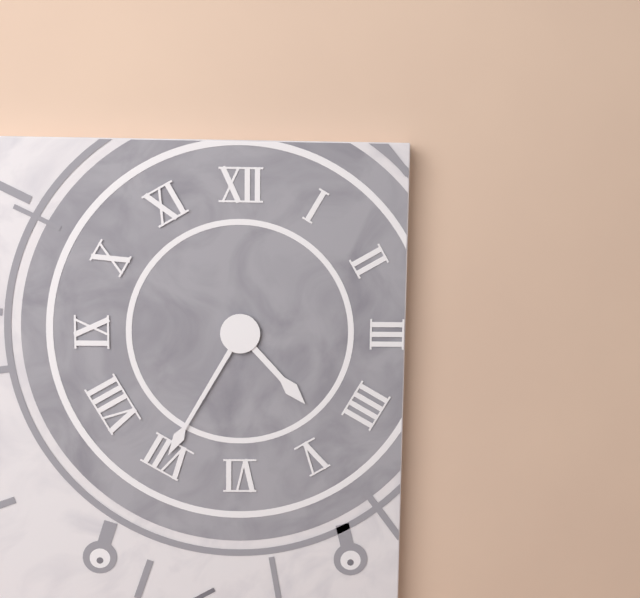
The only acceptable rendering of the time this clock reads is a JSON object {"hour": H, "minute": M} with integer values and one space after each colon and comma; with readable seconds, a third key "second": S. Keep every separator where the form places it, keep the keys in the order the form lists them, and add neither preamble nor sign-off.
{"hour": 4, "minute": 35}
